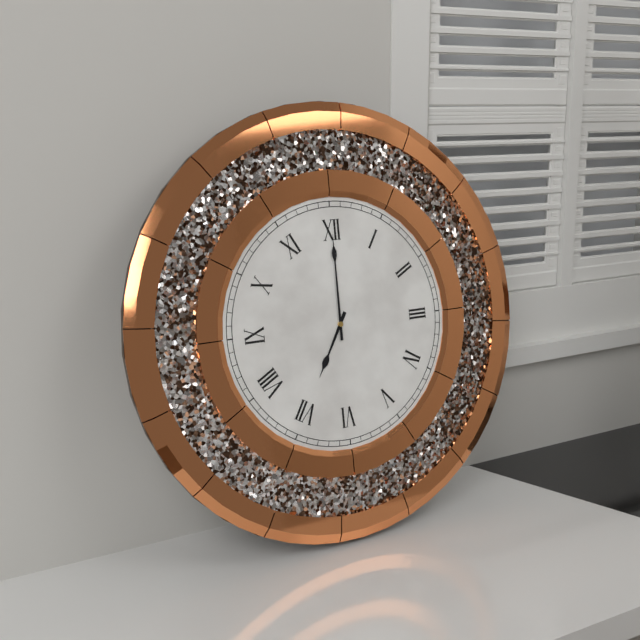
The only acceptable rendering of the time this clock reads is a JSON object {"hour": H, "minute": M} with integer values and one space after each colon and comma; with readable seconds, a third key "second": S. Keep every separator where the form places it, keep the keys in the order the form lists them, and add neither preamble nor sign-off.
{"hour": 7, "minute": 0}
